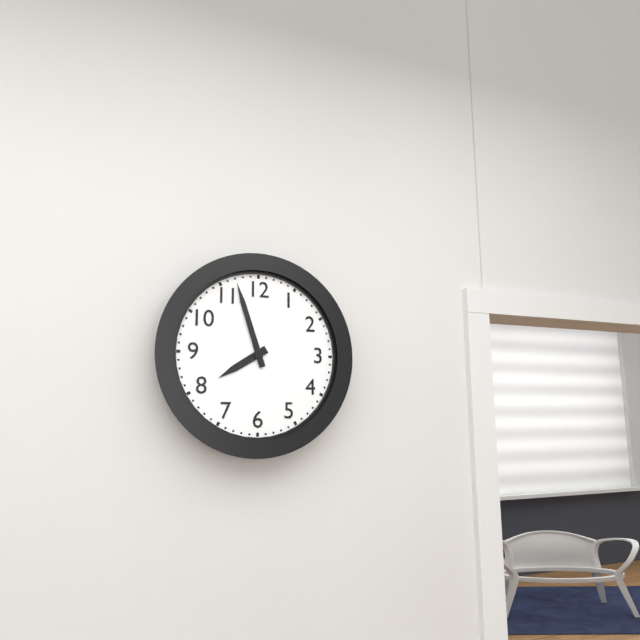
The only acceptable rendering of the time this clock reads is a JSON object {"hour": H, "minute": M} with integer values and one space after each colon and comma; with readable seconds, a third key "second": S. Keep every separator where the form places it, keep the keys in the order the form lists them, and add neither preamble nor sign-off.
{"hour": 7, "minute": 57}
